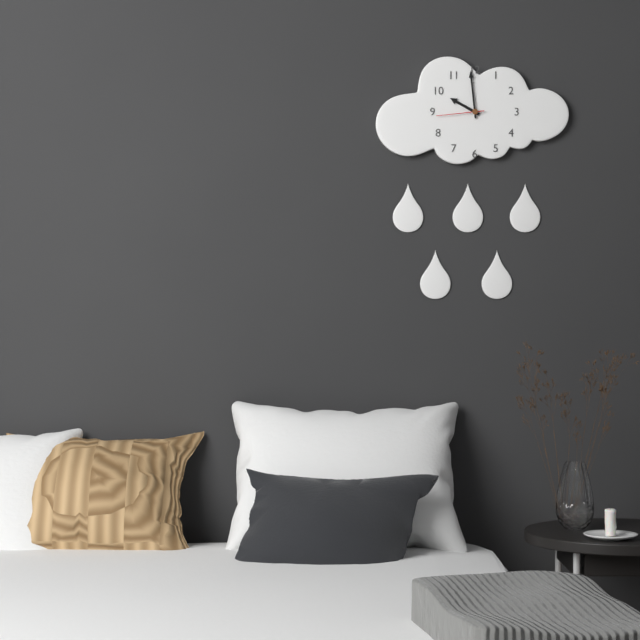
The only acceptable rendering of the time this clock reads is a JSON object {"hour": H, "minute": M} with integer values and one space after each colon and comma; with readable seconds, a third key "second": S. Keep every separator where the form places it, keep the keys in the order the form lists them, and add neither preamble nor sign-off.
{"hour": 9, "minute": 59}
